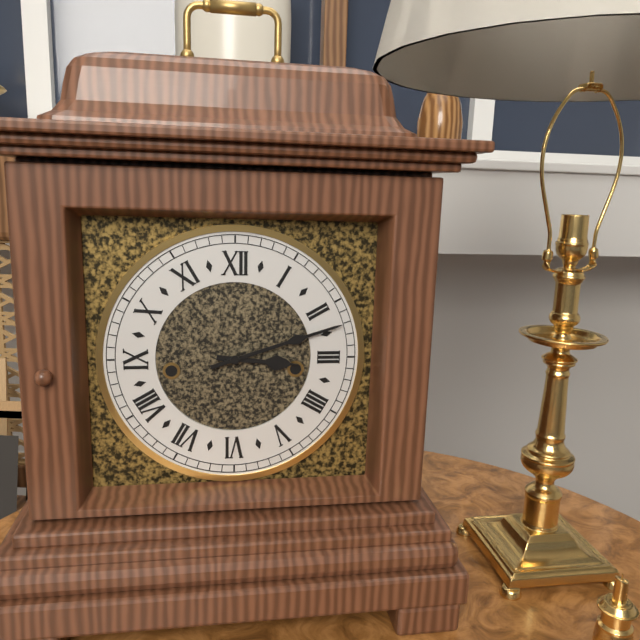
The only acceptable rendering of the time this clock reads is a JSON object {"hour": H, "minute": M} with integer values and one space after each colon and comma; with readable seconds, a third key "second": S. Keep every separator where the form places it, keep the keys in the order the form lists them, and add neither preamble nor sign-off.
{"hour": 3, "minute": 12}
